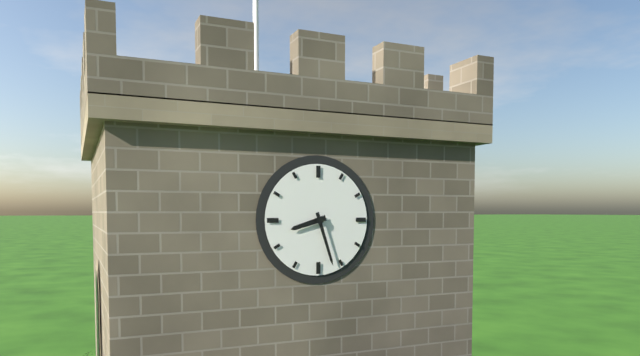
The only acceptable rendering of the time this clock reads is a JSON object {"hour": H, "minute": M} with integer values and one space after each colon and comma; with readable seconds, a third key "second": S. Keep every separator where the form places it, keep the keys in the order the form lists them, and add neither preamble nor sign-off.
{"hour": 8, "minute": 27}
